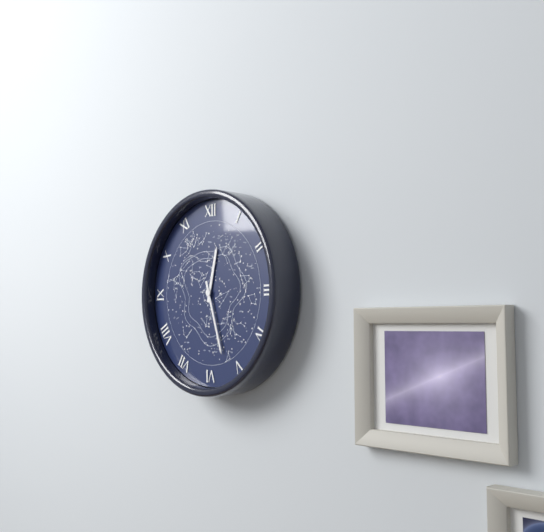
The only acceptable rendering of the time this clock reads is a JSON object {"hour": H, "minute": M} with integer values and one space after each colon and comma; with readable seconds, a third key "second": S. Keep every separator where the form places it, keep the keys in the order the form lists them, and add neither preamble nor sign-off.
{"hour": 12, "minute": 27}
